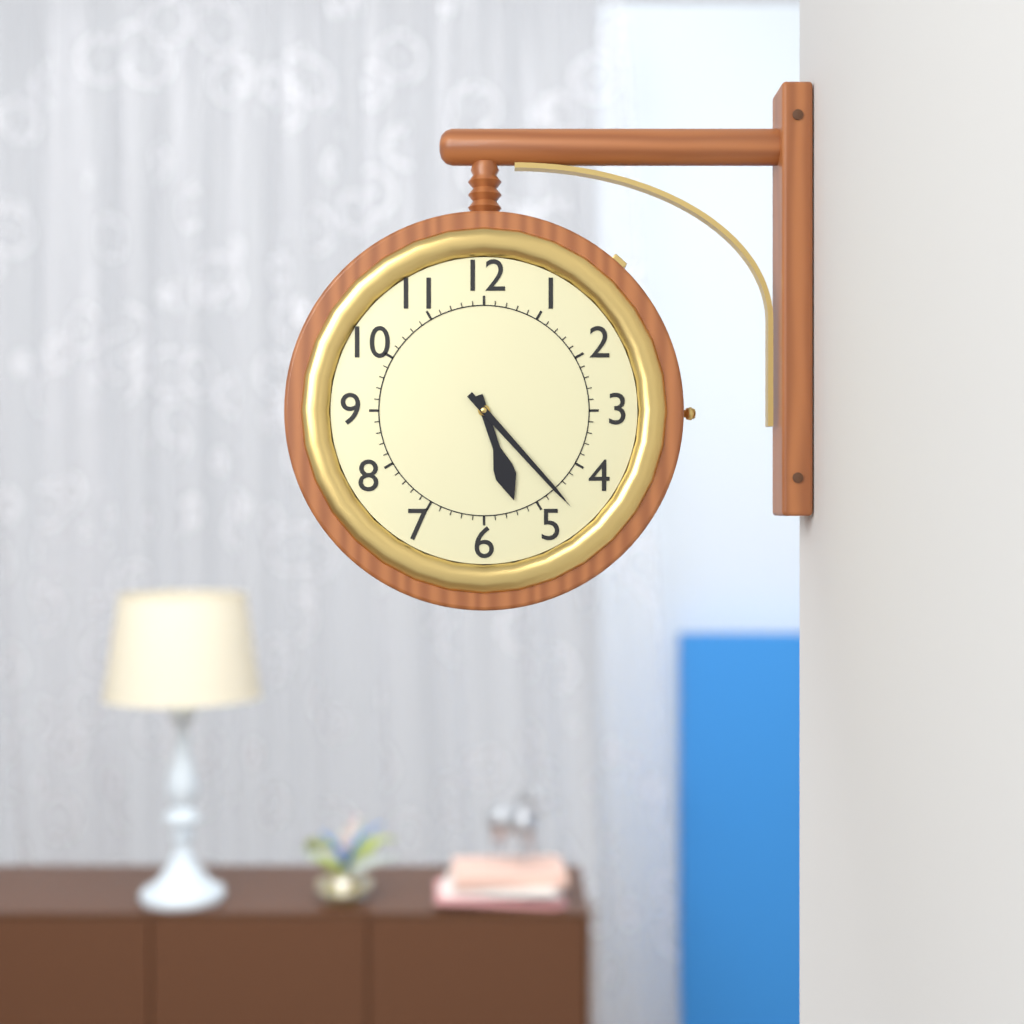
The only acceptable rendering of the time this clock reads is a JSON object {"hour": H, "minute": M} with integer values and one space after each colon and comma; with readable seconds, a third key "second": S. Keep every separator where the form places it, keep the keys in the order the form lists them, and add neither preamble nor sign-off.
{"hour": 5, "minute": 23}
